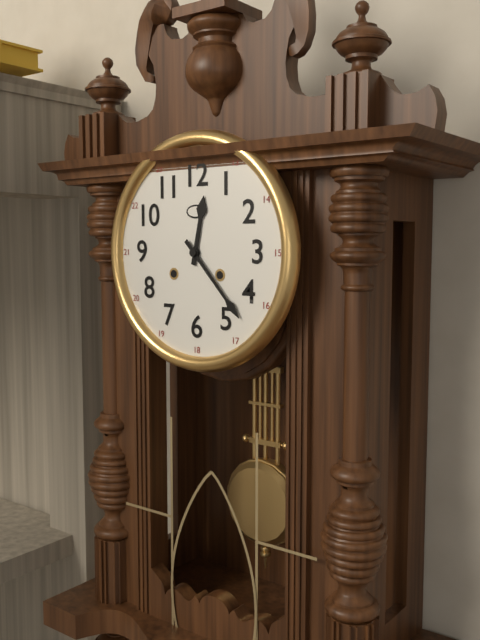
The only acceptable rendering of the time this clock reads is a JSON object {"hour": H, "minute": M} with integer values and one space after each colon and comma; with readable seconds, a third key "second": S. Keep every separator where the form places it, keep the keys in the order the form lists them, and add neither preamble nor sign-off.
{"hour": 12, "minute": 23}
